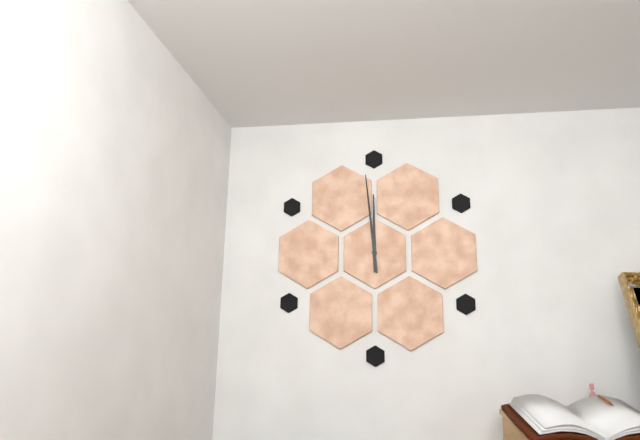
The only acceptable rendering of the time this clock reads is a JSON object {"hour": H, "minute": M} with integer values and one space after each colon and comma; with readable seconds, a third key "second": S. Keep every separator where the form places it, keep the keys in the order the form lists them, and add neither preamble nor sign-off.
{"hour": 11, "minute": 59}
